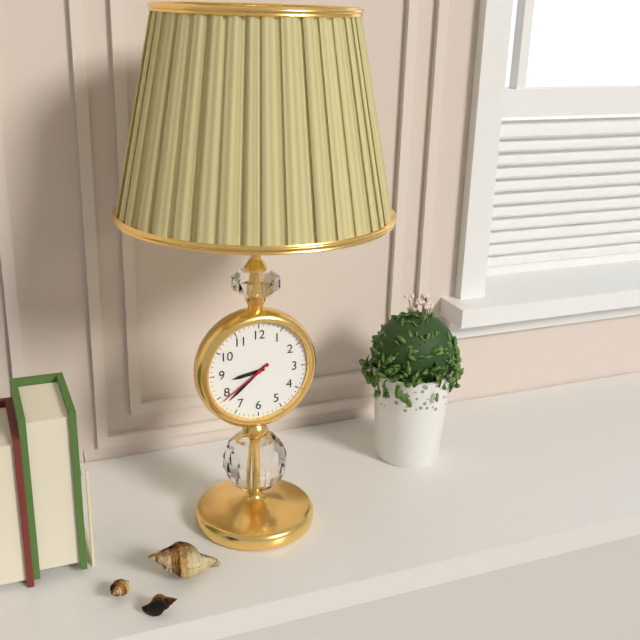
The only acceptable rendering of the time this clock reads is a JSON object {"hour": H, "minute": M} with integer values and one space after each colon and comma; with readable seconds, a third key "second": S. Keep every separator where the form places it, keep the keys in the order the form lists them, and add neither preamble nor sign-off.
{"hour": 8, "minute": 38, "second": 39}
